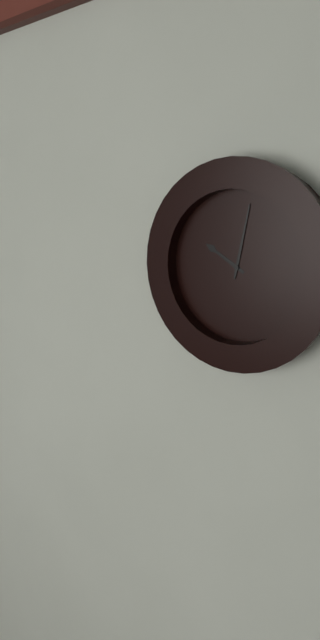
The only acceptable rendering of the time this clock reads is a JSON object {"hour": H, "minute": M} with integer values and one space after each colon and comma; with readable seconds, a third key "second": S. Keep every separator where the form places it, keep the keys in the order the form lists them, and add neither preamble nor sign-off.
{"hour": 10, "minute": 2}
